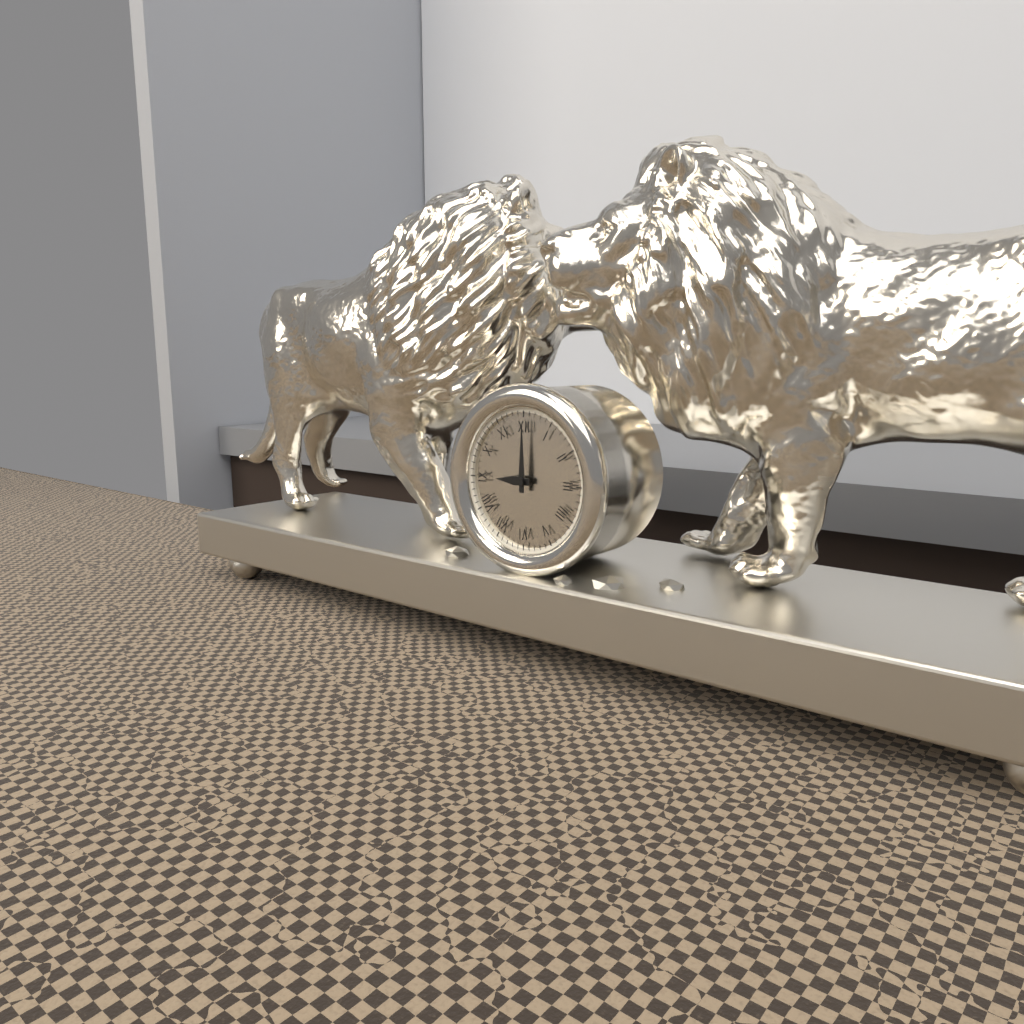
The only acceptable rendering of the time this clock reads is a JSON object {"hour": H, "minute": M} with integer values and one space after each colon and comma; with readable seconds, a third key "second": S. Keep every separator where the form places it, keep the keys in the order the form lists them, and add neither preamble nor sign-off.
{"hour": 9, "minute": 0}
